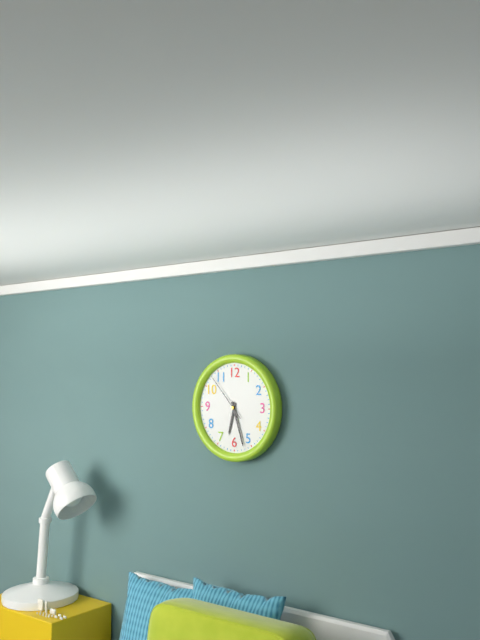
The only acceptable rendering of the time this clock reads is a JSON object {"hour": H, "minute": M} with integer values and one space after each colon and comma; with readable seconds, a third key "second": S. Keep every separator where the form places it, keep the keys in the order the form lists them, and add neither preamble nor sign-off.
{"hour": 6, "minute": 27}
